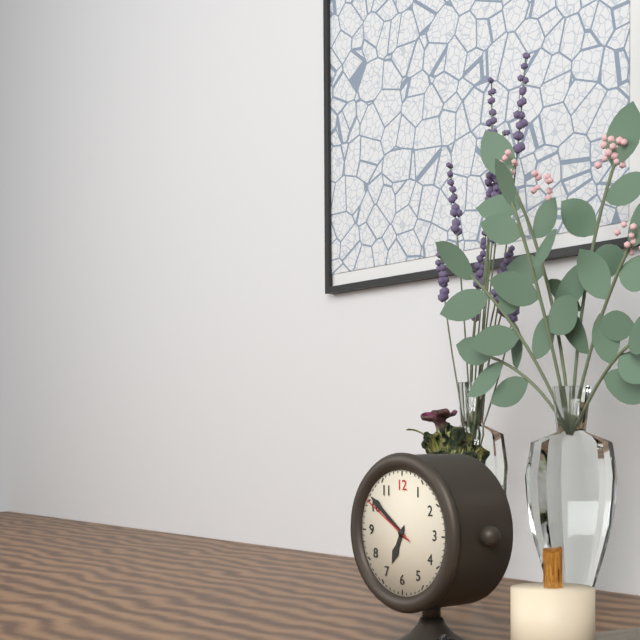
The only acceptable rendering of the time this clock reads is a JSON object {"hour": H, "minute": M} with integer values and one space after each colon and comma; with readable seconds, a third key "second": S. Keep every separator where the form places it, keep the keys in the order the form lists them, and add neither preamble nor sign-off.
{"hour": 6, "minute": 51, "second": 50}
